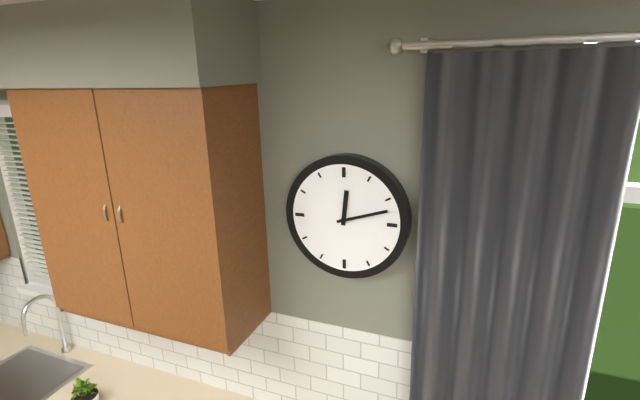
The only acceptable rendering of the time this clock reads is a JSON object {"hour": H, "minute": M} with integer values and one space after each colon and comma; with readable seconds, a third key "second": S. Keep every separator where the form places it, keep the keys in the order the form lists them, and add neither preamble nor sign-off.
{"hour": 12, "minute": 12}
